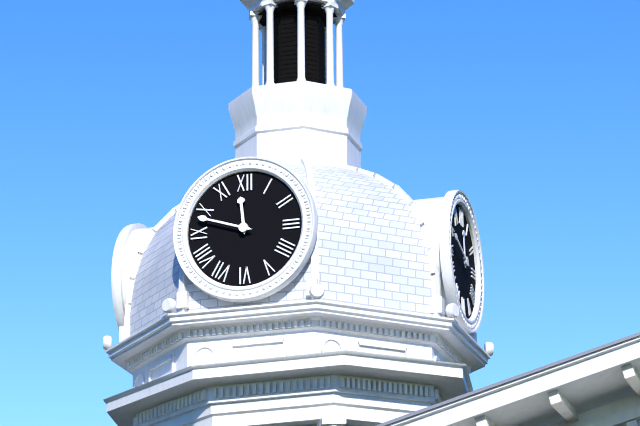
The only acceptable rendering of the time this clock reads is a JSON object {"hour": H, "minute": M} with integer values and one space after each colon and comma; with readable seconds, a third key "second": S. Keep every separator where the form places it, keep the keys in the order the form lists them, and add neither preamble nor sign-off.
{"hour": 11, "minute": 48}
